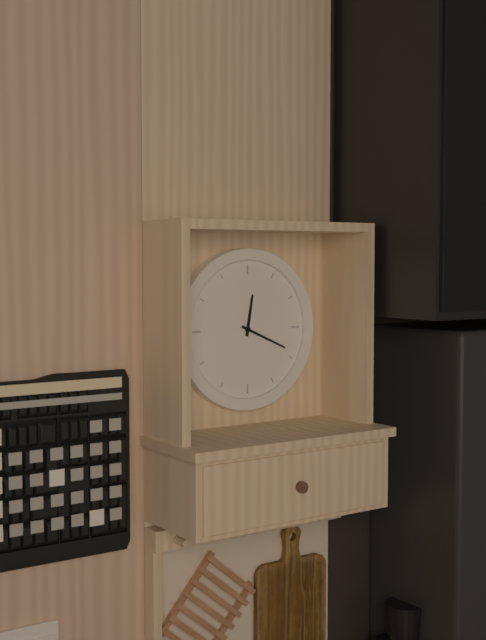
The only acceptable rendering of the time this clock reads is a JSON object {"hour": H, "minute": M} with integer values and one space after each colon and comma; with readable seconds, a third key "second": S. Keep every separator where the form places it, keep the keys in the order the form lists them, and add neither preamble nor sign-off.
{"hour": 12, "minute": 19}
